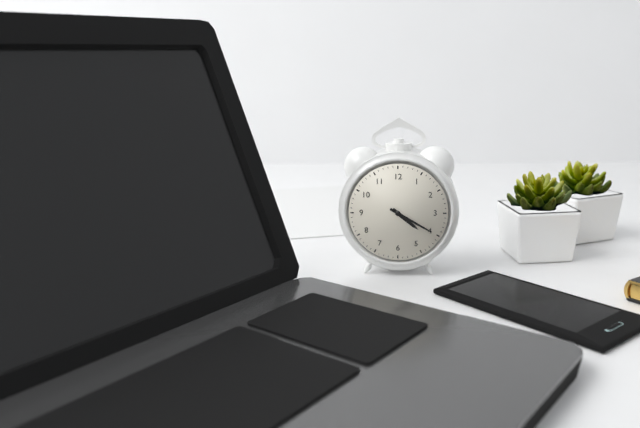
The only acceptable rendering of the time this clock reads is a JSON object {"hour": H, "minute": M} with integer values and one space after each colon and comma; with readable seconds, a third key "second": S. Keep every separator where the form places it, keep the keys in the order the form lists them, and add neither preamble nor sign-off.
{"hour": 4, "minute": 20}
